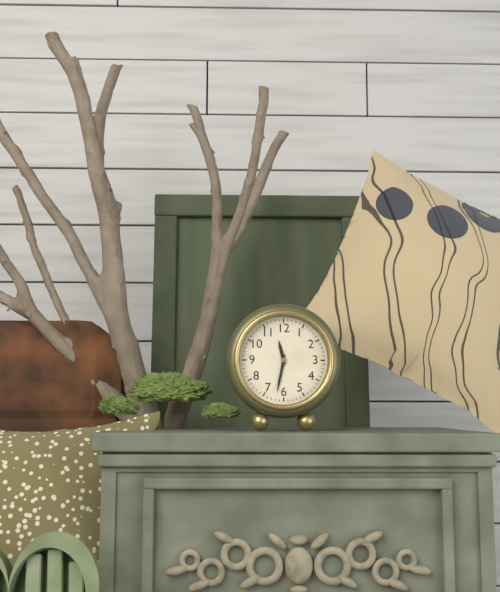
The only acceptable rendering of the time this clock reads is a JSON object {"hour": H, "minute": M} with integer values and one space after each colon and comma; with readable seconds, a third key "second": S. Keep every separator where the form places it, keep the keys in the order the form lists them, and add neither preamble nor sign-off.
{"hour": 11, "minute": 32}
